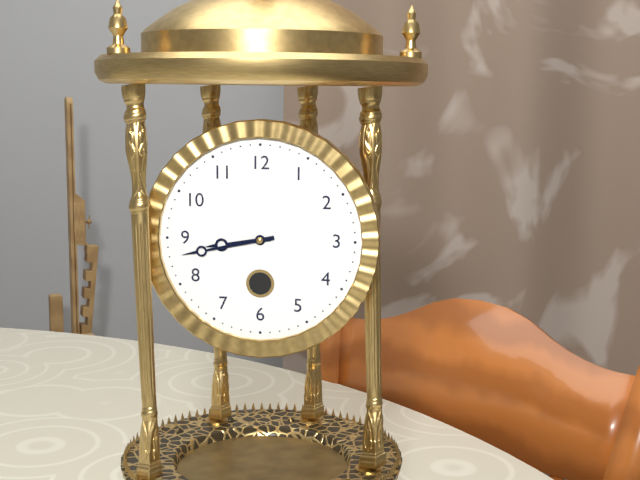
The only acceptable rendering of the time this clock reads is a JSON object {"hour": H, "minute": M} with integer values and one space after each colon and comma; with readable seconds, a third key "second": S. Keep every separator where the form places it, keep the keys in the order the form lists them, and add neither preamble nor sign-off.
{"hour": 8, "minute": 43}
